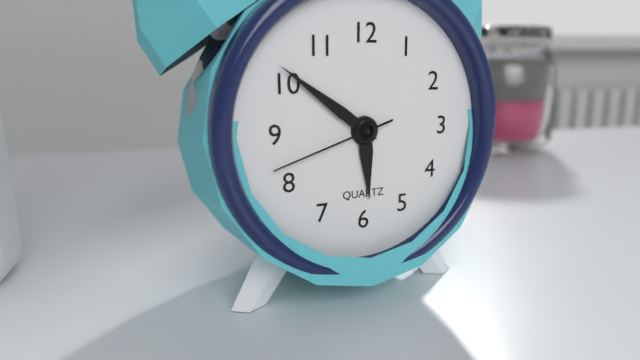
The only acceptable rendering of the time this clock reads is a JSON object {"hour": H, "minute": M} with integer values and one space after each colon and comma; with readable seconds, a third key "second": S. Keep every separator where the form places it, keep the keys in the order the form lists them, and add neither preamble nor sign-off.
{"hour": 5, "minute": 51, "second": 42}
